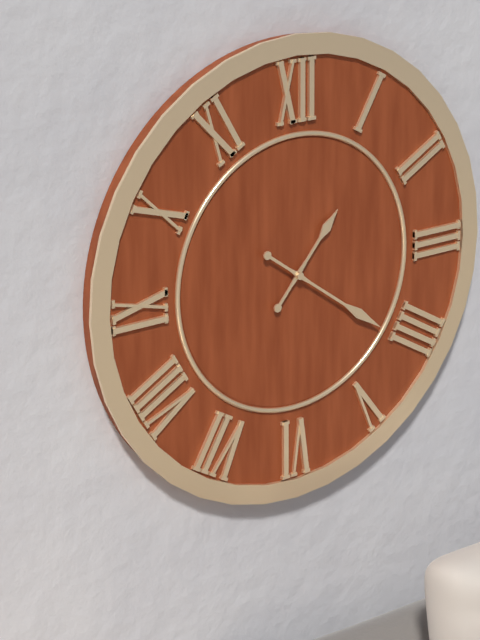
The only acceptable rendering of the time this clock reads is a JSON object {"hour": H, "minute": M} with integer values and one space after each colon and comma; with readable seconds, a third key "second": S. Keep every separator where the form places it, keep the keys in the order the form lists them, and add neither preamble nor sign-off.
{"hour": 1, "minute": 21}
